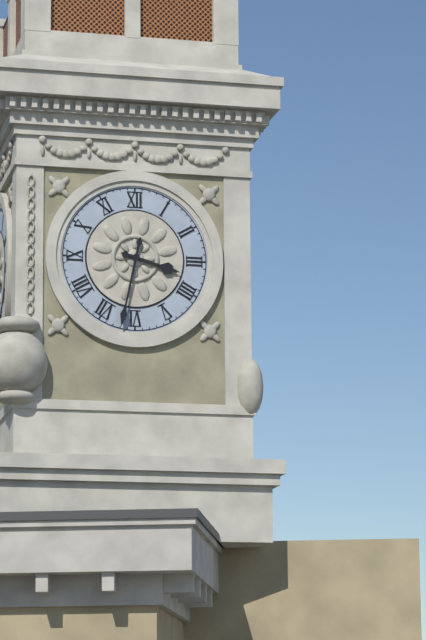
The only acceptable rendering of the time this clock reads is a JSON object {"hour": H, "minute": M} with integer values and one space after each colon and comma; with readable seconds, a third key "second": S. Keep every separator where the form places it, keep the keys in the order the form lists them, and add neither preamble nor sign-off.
{"hour": 3, "minute": 32}
